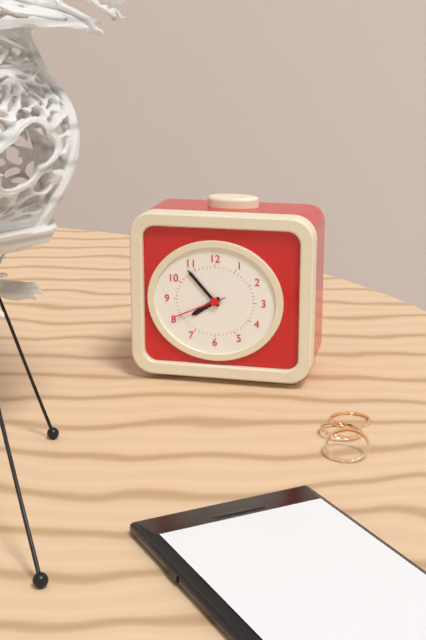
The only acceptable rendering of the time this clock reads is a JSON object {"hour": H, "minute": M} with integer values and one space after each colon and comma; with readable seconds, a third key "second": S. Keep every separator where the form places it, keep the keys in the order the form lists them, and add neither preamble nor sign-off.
{"hour": 7, "minute": 53, "second": 41}
